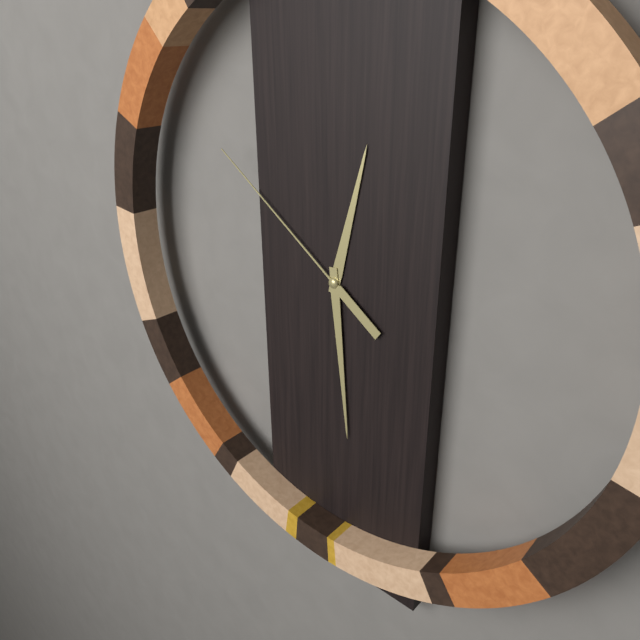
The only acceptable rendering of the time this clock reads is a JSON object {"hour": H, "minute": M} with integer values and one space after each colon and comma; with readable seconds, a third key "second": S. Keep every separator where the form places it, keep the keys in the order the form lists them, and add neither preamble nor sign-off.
{"hour": 12, "minute": 29, "second": 51}
